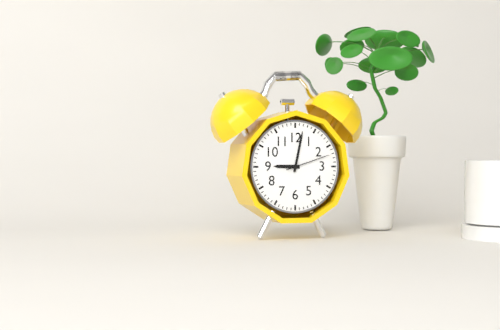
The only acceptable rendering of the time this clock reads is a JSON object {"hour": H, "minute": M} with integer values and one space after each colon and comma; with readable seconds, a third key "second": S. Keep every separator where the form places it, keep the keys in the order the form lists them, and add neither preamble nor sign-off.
{"hour": 9, "minute": 2}
